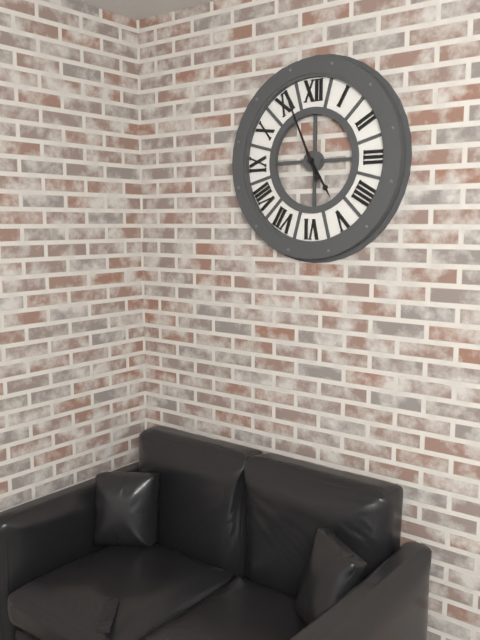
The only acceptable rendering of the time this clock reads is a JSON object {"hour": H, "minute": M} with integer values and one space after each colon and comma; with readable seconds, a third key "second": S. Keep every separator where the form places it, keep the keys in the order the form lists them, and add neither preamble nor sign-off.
{"hour": 4, "minute": 56}
